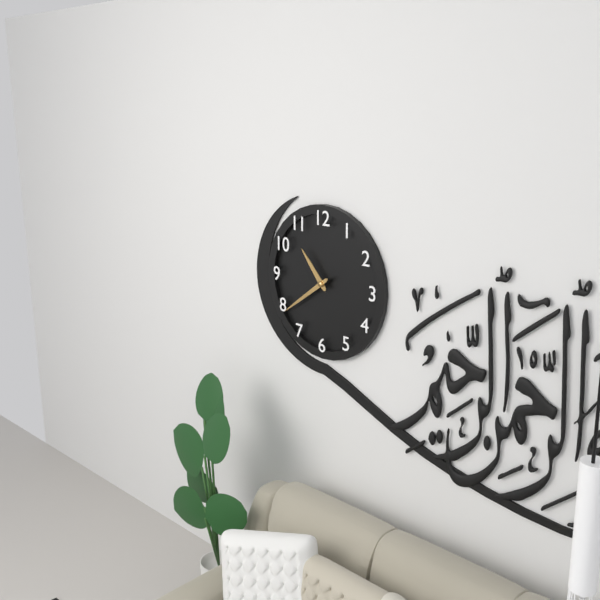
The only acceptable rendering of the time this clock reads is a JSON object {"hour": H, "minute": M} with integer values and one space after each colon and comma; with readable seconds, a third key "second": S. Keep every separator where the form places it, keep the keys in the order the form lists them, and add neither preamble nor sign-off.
{"hour": 10, "minute": 39}
